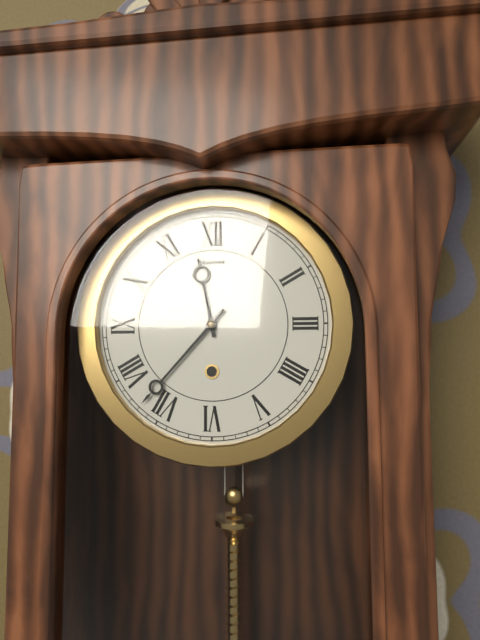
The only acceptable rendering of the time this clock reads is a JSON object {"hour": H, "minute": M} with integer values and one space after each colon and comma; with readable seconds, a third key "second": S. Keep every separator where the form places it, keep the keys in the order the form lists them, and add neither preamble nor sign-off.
{"hour": 11, "minute": 37}
